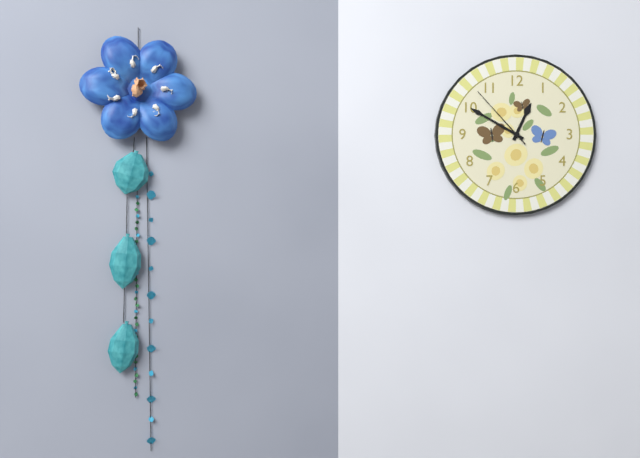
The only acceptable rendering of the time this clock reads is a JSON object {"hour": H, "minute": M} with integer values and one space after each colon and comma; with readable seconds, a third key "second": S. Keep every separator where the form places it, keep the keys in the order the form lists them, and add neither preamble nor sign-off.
{"hour": 12, "minute": 50, "second": 53}
